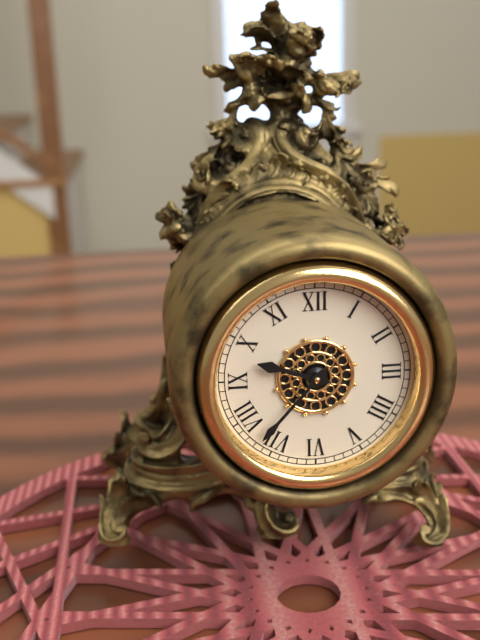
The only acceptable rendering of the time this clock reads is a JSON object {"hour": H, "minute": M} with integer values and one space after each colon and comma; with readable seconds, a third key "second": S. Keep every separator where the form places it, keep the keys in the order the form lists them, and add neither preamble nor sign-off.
{"hour": 9, "minute": 37}
